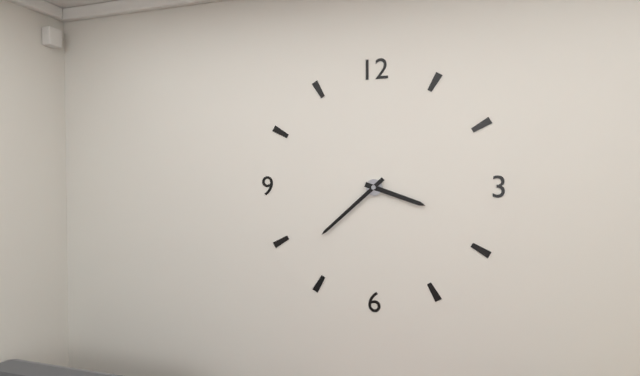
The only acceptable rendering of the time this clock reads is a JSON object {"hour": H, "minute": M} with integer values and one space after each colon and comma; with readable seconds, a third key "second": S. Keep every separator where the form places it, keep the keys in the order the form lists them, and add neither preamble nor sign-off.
{"hour": 3, "minute": 38}
